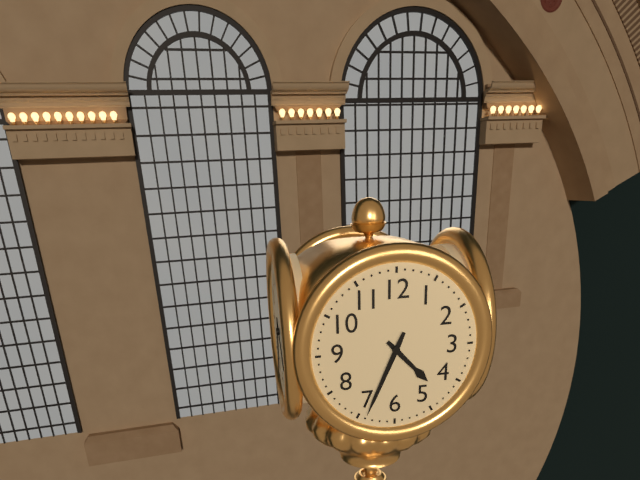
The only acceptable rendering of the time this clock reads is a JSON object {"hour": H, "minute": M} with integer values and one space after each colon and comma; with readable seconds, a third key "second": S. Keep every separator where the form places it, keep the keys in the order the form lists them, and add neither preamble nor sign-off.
{"hour": 4, "minute": 34}
